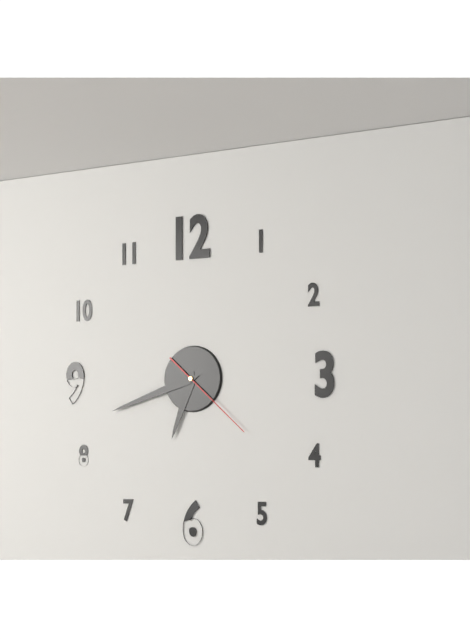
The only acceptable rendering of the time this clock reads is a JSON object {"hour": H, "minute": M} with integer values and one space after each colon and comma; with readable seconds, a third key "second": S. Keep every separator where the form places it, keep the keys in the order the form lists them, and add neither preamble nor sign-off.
{"hour": 6, "minute": 42, "second": 22}
